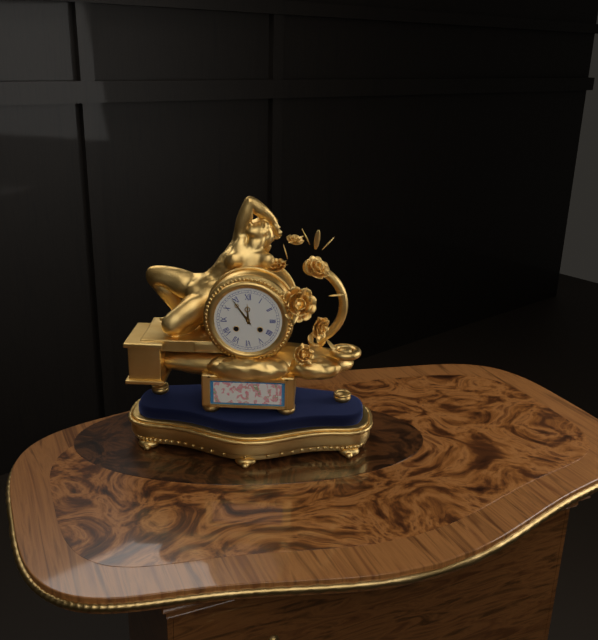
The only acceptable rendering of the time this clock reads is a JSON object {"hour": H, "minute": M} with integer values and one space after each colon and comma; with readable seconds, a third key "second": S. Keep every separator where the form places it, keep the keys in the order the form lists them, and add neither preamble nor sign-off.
{"hour": 11, "minute": 54}
